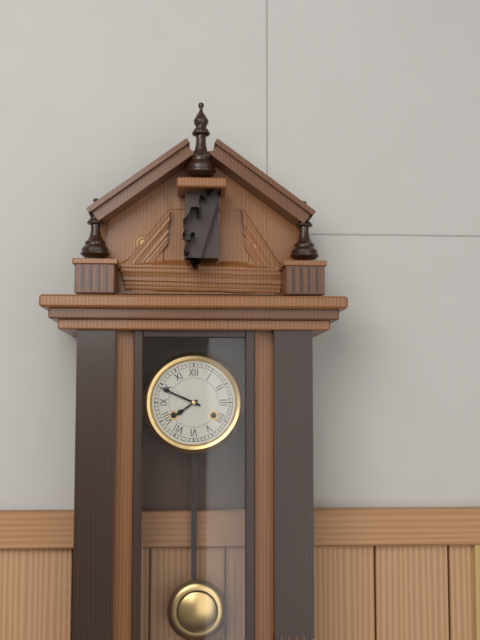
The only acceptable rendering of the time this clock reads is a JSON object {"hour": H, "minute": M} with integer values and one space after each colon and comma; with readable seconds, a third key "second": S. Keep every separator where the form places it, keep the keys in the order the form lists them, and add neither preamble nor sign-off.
{"hour": 7, "minute": 49}
